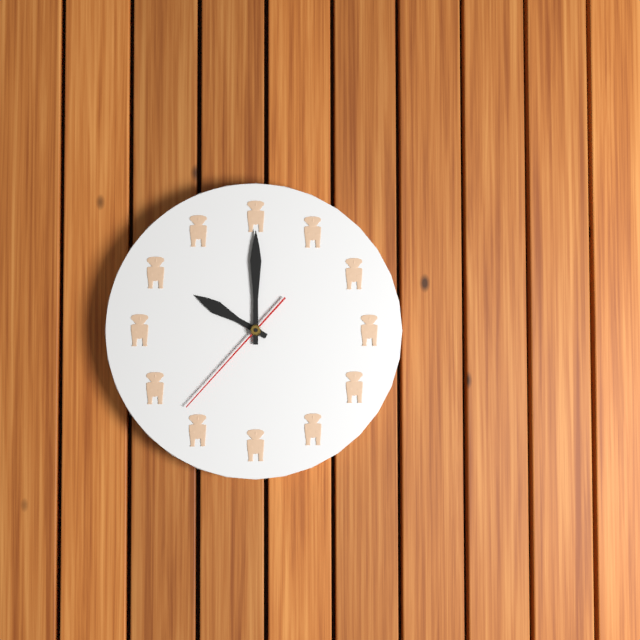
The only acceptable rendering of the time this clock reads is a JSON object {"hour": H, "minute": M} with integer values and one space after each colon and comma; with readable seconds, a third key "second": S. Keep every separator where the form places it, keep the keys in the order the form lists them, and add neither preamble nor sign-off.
{"hour": 10, "minute": 0, "second": 37}
